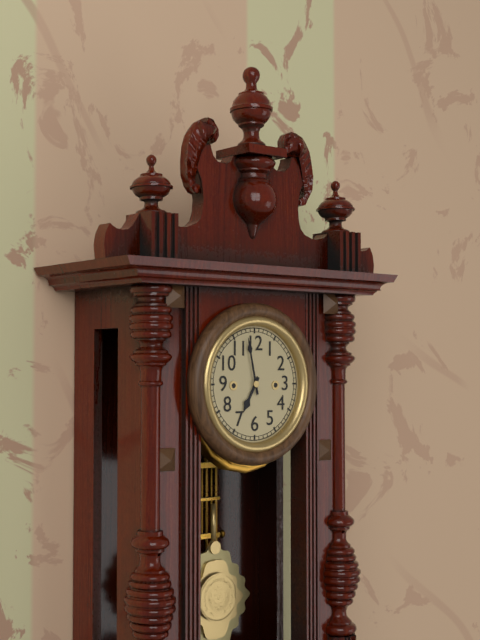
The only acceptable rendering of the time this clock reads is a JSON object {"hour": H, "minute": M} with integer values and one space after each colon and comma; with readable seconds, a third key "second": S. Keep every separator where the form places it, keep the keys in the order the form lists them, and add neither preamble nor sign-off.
{"hour": 6, "minute": 58}
